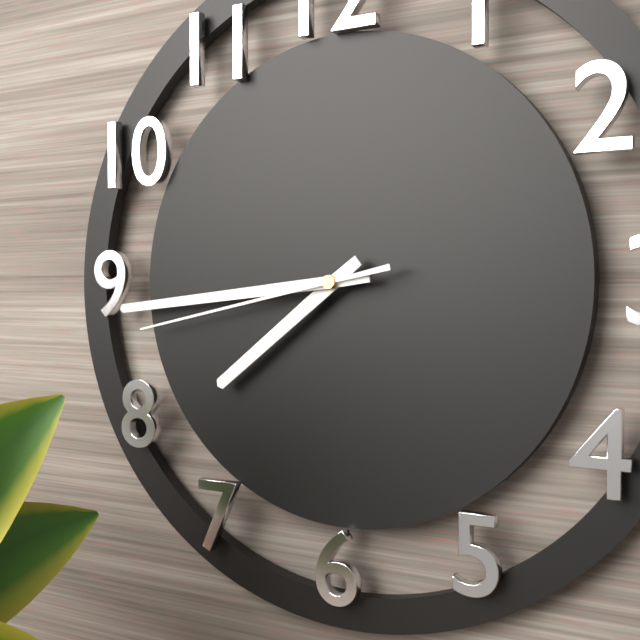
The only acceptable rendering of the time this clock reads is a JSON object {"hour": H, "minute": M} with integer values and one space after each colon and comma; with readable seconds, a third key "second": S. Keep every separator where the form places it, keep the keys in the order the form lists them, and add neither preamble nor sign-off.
{"hour": 7, "minute": 44, "second": 43}
